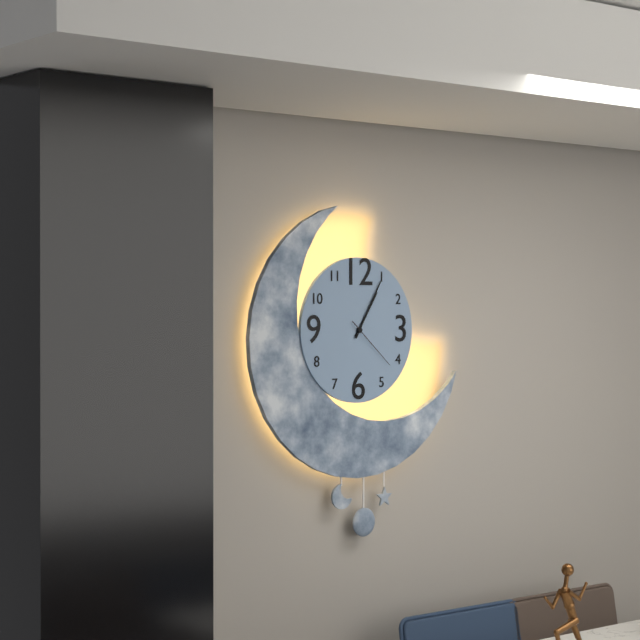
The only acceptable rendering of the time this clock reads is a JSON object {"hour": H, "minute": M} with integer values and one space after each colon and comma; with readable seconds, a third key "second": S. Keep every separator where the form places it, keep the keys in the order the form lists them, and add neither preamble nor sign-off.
{"hour": 1, "minute": 5, "second": 22}
